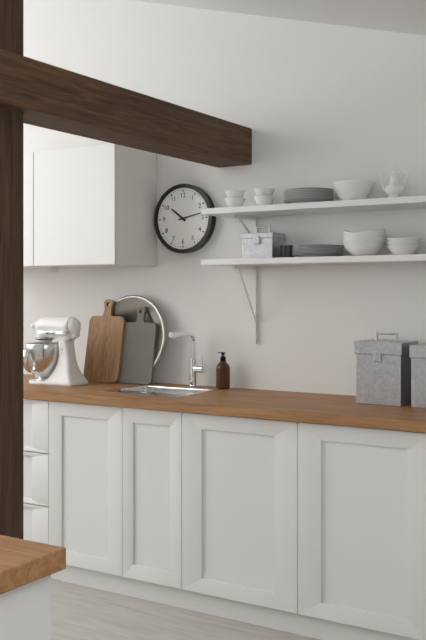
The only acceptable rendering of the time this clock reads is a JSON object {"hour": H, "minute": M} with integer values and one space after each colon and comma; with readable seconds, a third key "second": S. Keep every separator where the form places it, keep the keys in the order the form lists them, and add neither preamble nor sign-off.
{"hour": 10, "minute": 13}
